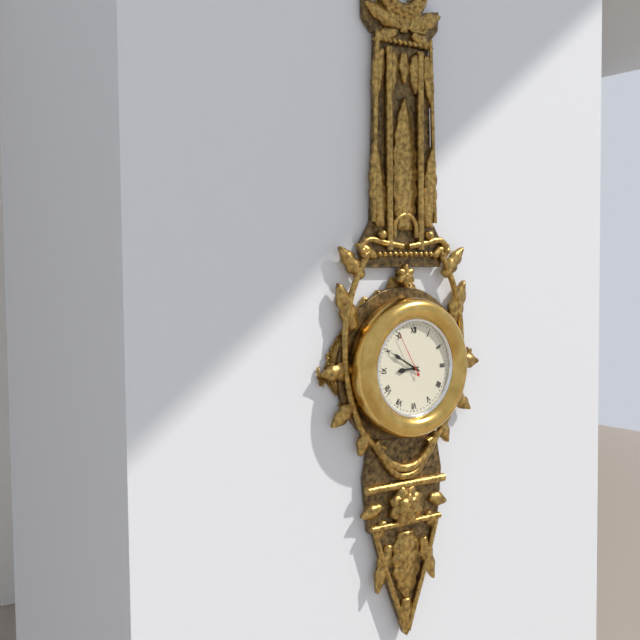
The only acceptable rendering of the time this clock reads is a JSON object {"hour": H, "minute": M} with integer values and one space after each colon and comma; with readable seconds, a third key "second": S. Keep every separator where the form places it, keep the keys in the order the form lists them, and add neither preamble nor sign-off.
{"hour": 8, "minute": 50}
